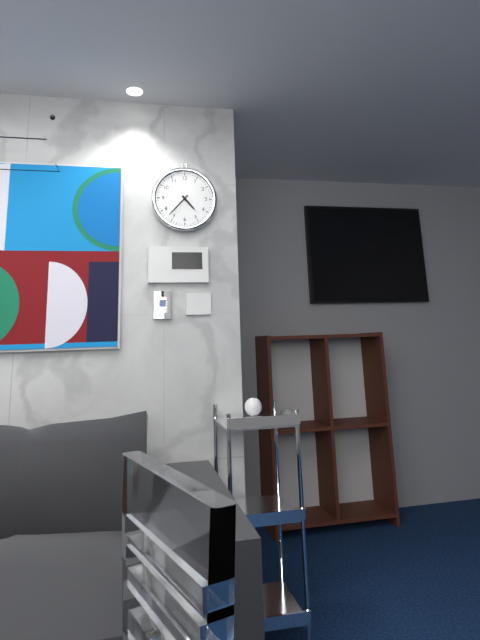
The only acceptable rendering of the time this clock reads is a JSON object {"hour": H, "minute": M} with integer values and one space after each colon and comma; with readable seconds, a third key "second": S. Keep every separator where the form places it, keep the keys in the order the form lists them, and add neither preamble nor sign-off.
{"hour": 4, "minute": 37}
